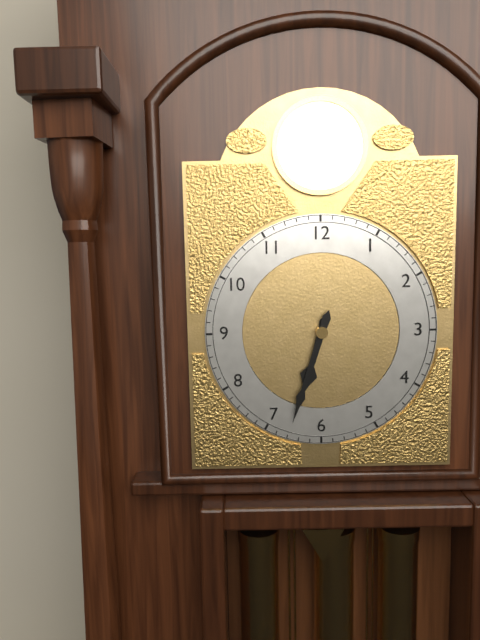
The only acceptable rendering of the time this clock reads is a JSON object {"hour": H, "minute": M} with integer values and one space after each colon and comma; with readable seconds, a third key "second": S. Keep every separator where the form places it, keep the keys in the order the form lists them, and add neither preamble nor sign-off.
{"hour": 6, "minute": 33}
